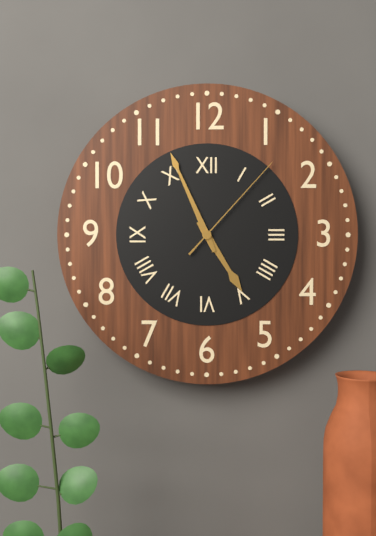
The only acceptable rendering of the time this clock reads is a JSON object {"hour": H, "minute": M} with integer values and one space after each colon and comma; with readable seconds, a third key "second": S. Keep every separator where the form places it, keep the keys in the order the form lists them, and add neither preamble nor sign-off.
{"hour": 4, "minute": 56, "second": 7}
